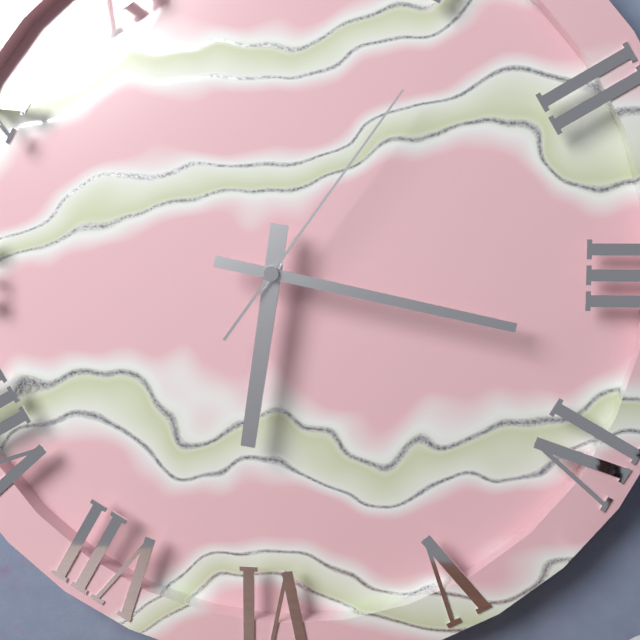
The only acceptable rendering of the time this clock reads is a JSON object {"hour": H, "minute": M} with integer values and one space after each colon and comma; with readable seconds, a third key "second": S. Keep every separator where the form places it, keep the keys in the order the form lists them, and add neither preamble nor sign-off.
{"hour": 6, "minute": 17, "second": 6}
